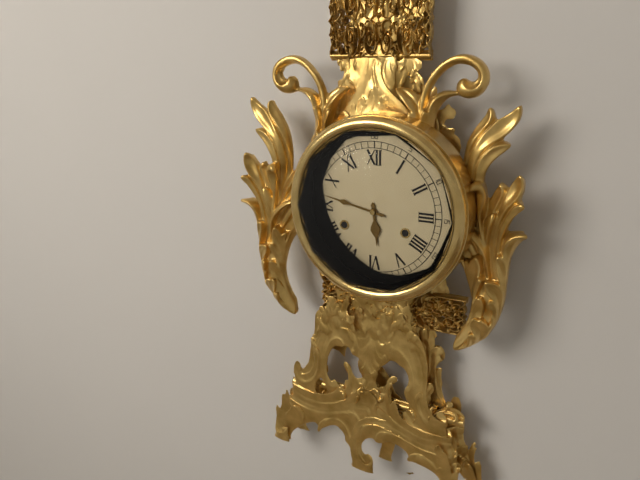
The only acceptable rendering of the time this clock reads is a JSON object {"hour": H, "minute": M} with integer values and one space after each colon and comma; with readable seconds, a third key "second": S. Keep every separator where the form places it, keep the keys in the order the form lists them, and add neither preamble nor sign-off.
{"hour": 5, "minute": 47}
